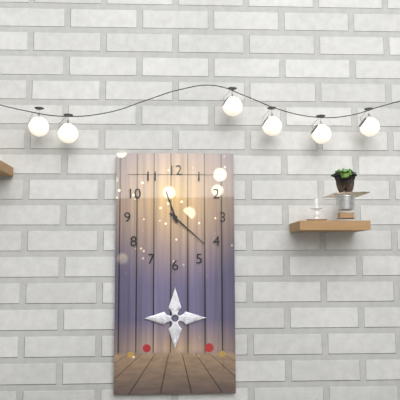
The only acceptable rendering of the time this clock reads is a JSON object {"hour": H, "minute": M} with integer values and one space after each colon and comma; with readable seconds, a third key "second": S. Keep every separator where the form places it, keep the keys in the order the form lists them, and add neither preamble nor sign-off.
{"hour": 11, "minute": 22}
